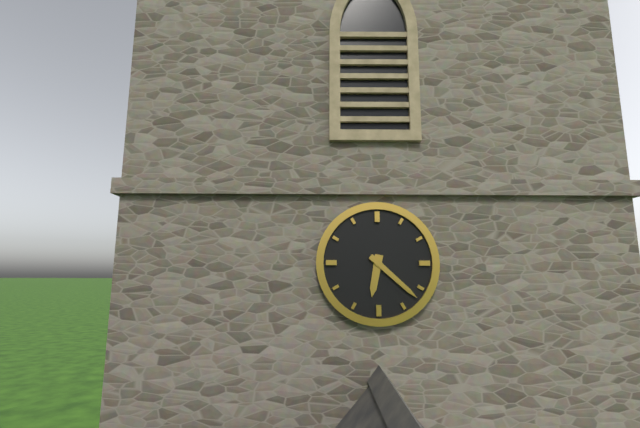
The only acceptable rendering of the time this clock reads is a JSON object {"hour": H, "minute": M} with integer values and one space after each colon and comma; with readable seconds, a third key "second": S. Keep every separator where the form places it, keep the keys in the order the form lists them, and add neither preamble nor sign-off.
{"hour": 6, "minute": 22}
